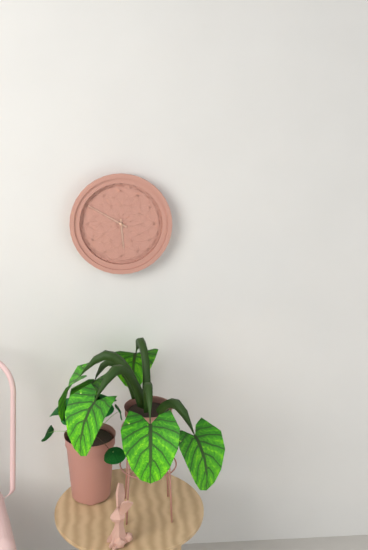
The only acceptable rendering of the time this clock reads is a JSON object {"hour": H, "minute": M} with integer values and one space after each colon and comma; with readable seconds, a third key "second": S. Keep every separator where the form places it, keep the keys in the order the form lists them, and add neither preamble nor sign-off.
{"hour": 5, "minute": 50}
